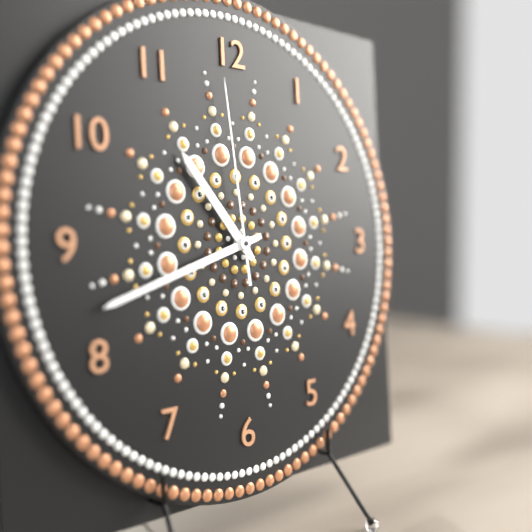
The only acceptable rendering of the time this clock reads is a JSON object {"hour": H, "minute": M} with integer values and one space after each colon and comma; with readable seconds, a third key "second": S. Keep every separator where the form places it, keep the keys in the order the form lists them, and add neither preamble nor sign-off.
{"hour": 10, "minute": 42, "second": 59}
